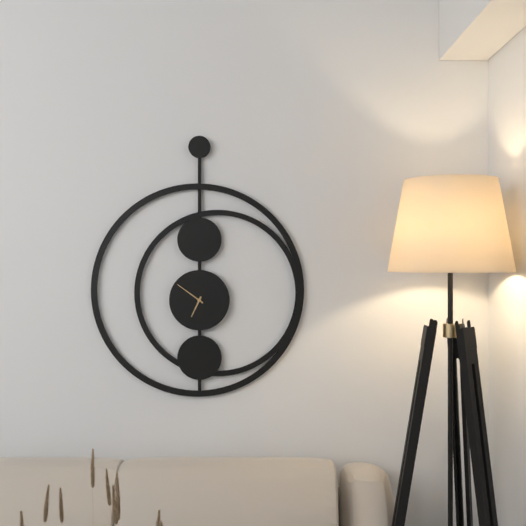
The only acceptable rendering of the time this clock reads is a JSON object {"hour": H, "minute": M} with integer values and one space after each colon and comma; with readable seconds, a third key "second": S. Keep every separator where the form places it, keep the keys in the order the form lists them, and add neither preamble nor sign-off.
{"hour": 6, "minute": 51}
